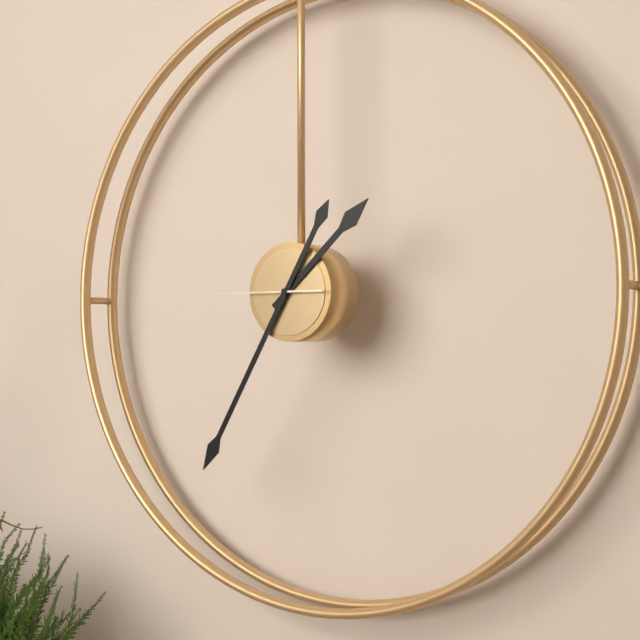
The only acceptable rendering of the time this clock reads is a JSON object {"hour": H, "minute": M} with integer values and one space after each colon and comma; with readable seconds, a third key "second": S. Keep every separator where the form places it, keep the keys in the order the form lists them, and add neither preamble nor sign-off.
{"hour": 1, "minute": 35, "second": 45}
